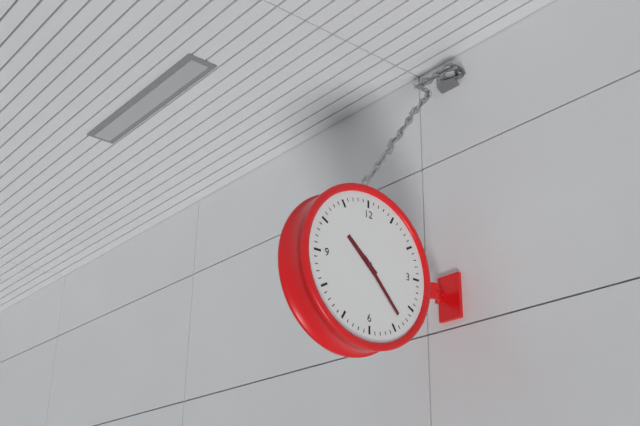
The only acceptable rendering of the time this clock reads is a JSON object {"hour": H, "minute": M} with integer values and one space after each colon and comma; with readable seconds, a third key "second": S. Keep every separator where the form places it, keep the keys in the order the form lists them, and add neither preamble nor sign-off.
{"hour": 10, "minute": 23}
